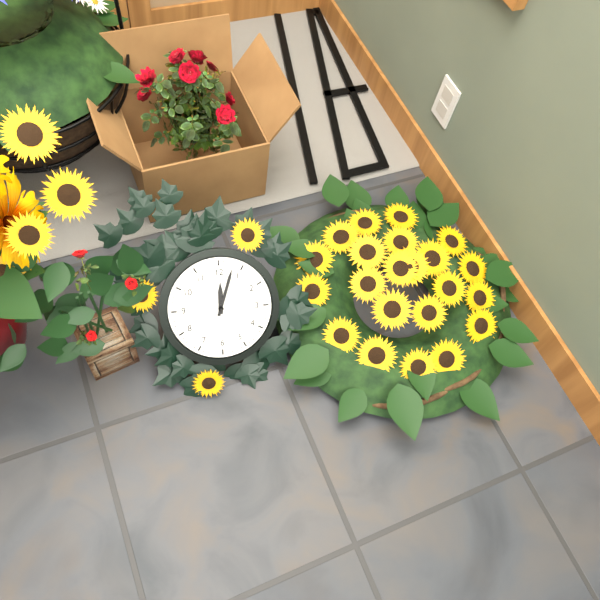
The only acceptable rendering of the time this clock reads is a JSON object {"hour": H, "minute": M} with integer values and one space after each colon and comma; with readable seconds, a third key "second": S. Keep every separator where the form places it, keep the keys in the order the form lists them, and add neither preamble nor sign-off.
{"hour": 12, "minute": 3}
